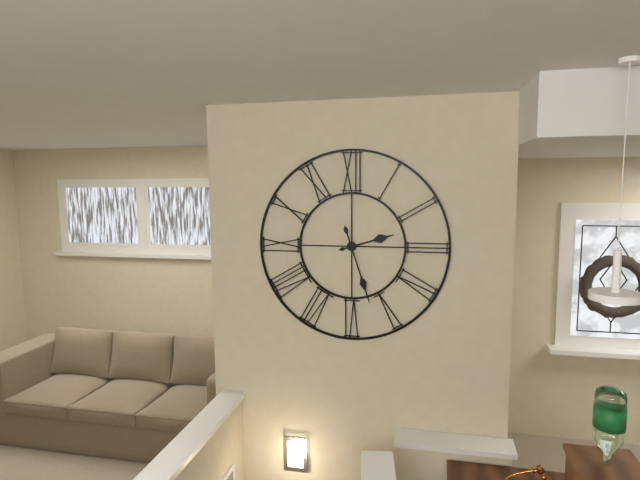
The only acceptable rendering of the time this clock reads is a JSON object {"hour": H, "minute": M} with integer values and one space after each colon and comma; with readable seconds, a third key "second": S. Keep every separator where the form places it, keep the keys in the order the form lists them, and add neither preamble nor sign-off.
{"hour": 2, "minute": 27}
